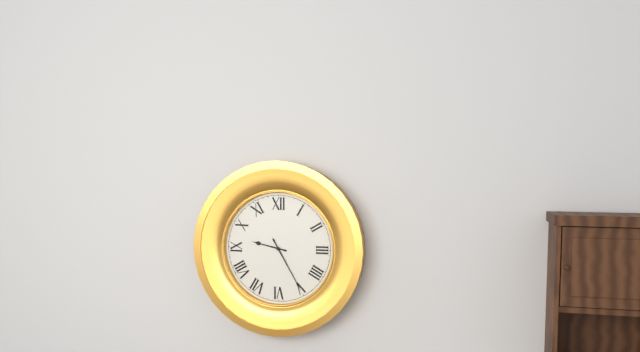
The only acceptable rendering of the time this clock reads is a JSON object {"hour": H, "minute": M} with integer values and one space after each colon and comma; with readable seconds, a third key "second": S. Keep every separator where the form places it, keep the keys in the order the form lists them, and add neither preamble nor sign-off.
{"hour": 9, "minute": 25}
